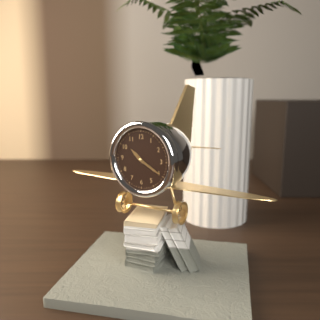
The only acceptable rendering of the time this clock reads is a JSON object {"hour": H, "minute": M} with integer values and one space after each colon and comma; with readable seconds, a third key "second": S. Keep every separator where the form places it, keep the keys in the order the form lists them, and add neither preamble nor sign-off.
{"hour": 10, "minute": 20}
